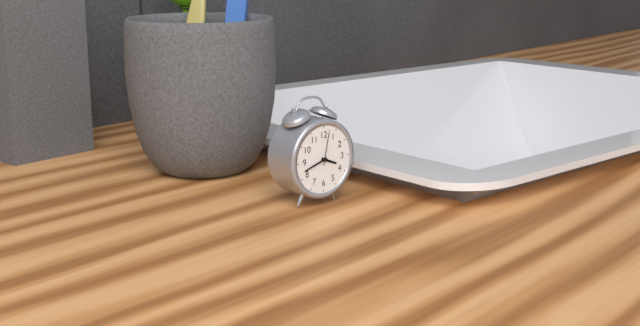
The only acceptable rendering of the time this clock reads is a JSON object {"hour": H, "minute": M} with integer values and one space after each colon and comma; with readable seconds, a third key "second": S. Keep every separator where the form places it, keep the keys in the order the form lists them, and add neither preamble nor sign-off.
{"hour": 3, "minute": 42}
